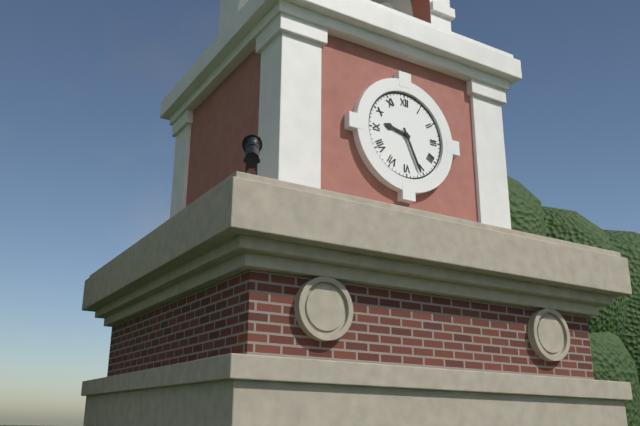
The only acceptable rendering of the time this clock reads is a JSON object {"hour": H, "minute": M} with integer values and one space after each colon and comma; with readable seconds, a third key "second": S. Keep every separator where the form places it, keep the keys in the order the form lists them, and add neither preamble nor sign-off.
{"hour": 9, "minute": 26}
